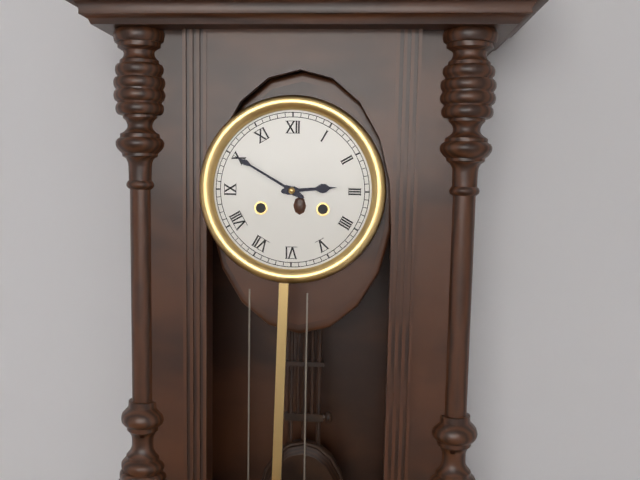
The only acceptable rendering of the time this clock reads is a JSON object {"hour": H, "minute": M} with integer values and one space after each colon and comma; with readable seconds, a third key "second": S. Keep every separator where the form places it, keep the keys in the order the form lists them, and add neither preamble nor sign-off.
{"hour": 2, "minute": 50}
